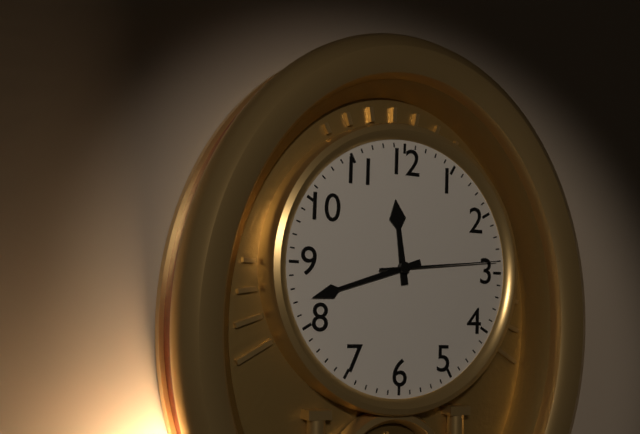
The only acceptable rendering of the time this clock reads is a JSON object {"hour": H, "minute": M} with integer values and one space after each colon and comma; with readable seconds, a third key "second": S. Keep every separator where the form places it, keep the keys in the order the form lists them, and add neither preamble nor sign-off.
{"hour": 11, "minute": 42, "second": 14}
